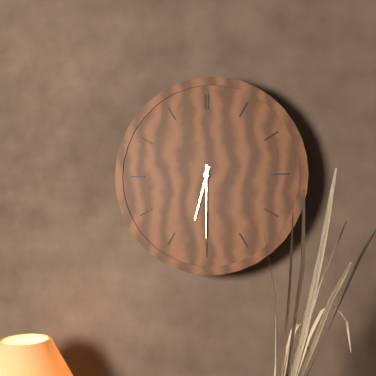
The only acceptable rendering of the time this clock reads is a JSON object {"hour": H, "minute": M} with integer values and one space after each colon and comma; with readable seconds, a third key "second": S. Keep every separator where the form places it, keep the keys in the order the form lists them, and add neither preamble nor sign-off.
{"hour": 6, "minute": 30}
